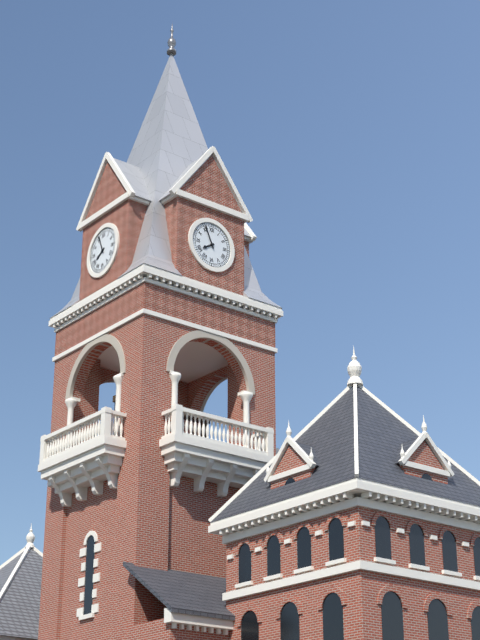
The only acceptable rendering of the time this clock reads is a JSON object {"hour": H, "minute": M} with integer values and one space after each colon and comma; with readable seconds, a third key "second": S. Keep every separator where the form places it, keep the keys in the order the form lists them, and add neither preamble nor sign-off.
{"hour": 7, "minute": 56}
